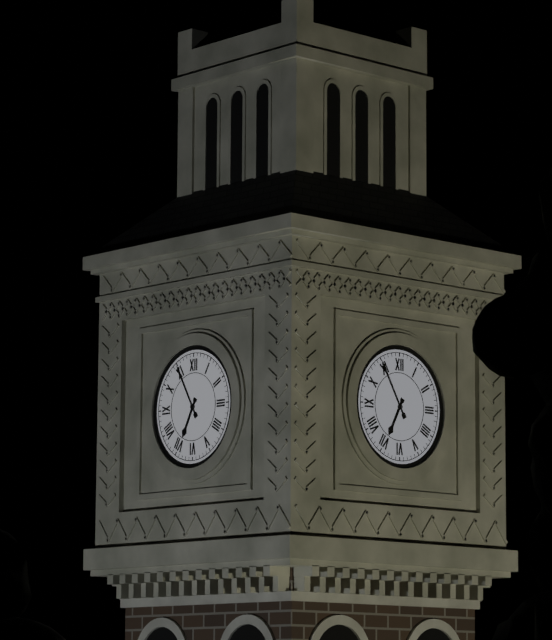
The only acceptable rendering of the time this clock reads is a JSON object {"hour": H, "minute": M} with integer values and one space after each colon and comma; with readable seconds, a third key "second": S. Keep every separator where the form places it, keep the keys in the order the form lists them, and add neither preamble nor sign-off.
{"hour": 6, "minute": 55}
